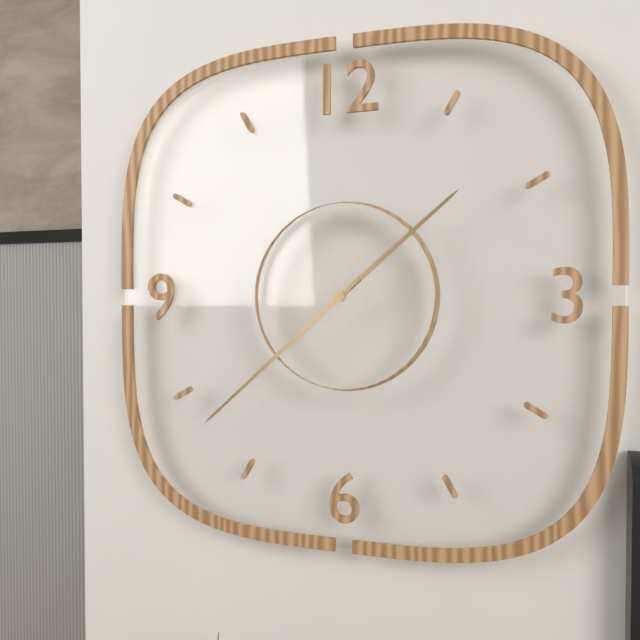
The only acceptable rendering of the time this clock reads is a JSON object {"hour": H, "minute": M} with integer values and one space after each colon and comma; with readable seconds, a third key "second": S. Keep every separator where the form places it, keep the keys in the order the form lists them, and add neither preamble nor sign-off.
{"hour": 1, "minute": 38}
